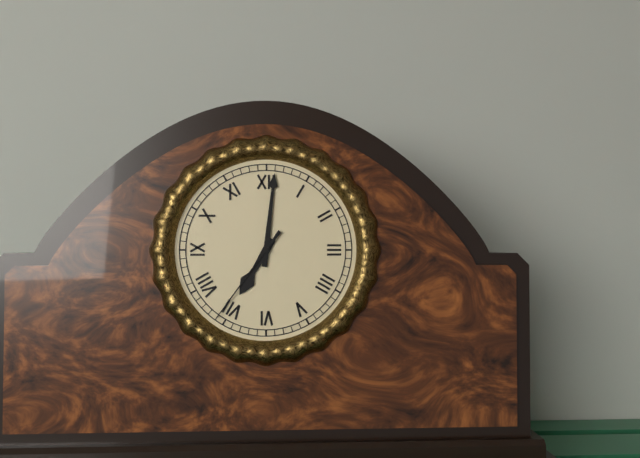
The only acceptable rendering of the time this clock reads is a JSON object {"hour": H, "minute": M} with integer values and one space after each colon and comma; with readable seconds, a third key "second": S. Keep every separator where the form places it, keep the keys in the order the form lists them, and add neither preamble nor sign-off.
{"hour": 7, "minute": 1, "second": 36}
